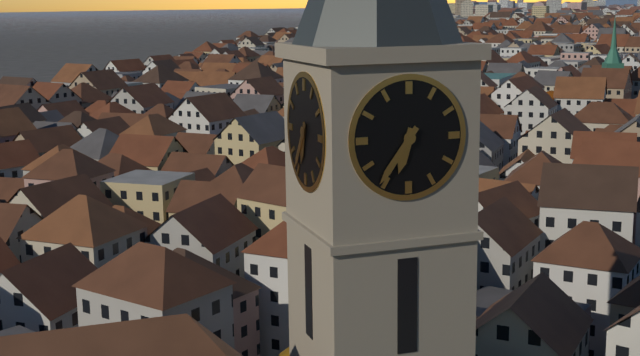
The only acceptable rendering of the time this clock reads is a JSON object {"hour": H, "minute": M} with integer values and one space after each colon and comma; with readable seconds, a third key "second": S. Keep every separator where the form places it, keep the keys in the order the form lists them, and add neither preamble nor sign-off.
{"hour": 6, "minute": 36}
